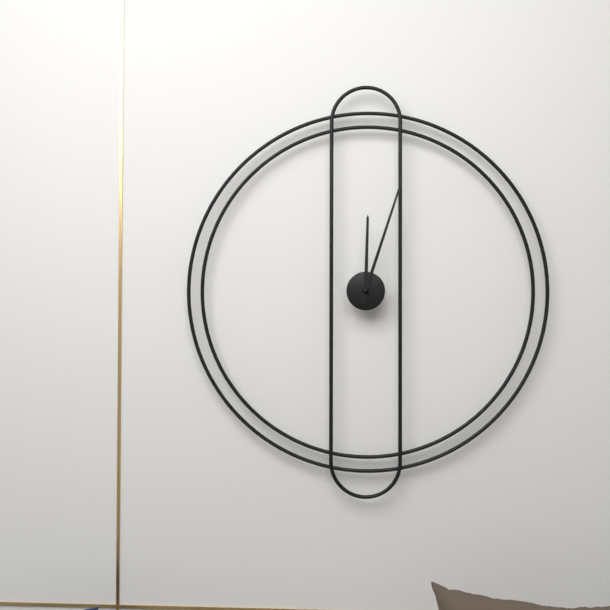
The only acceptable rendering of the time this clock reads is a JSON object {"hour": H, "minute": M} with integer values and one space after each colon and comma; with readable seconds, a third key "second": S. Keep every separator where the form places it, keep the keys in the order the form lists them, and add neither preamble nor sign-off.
{"hour": 12, "minute": 3}
